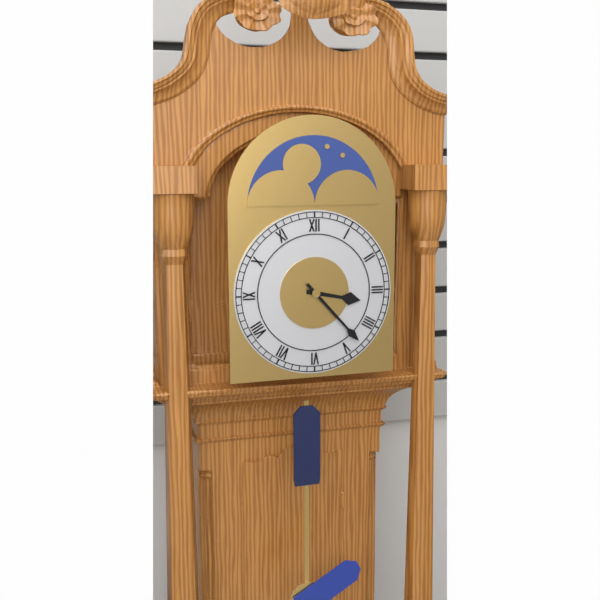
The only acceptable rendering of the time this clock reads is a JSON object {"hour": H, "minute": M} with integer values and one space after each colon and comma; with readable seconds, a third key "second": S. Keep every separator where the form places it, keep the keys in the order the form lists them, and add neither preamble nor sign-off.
{"hour": 3, "minute": 23}
